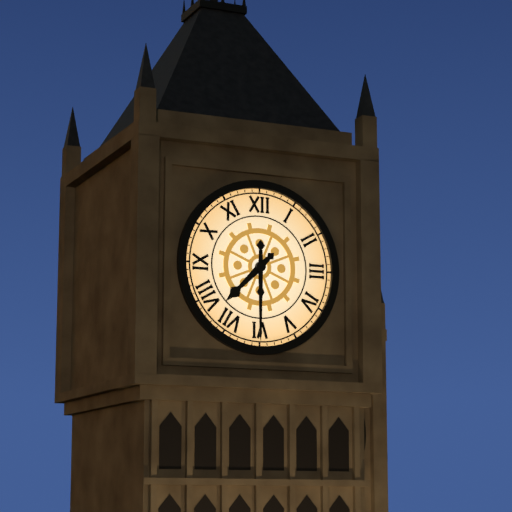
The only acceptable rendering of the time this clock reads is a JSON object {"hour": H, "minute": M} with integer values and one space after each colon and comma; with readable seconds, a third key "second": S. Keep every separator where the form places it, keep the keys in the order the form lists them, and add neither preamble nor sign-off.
{"hour": 7, "minute": 30}
